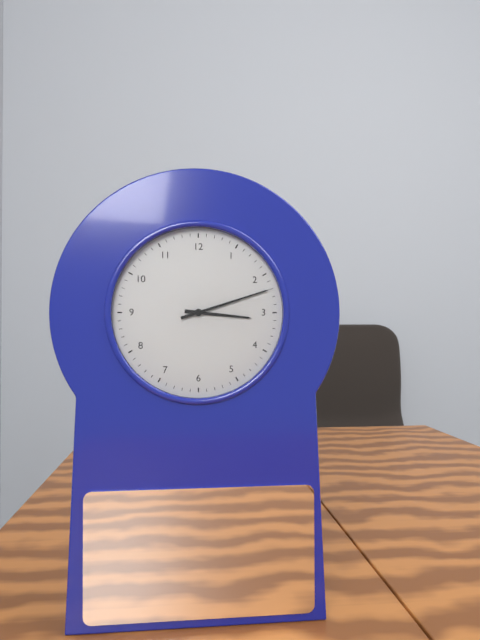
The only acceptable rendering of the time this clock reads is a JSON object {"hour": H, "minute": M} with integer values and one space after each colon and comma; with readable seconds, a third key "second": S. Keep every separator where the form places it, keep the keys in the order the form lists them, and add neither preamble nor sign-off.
{"hour": 3, "minute": 12}
